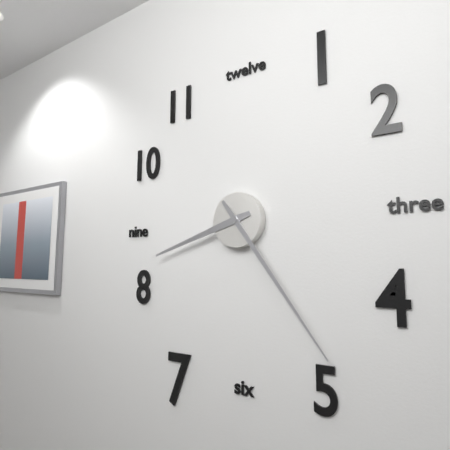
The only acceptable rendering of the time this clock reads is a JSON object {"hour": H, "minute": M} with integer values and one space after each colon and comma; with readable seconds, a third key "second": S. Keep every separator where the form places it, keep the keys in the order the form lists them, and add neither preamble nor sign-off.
{"hour": 8, "minute": 24}
